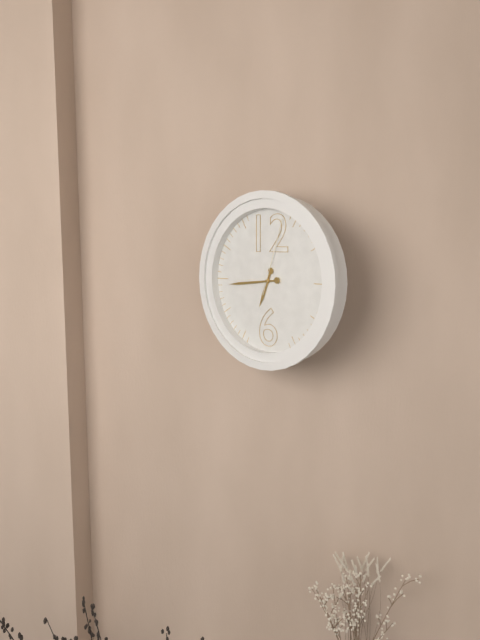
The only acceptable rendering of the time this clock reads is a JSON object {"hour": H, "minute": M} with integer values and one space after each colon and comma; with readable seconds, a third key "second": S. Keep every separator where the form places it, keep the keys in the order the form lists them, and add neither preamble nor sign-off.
{"hour": 6, "minute": 44, "second": 3}
